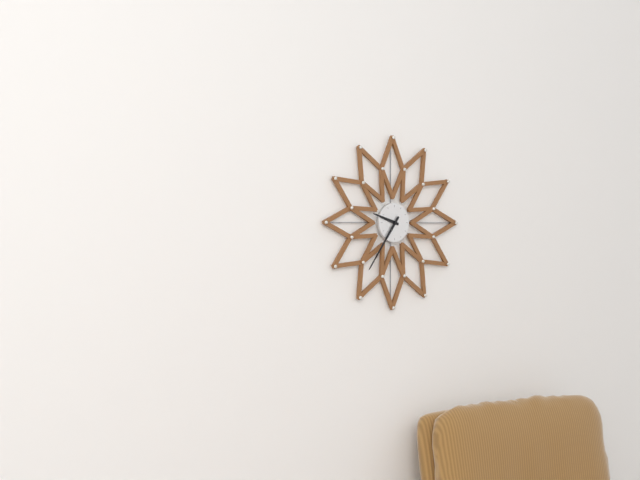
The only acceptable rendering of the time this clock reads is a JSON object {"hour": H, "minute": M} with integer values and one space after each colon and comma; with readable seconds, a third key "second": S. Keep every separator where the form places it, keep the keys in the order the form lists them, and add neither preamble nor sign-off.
{"hour": 9, "minute": 36}
